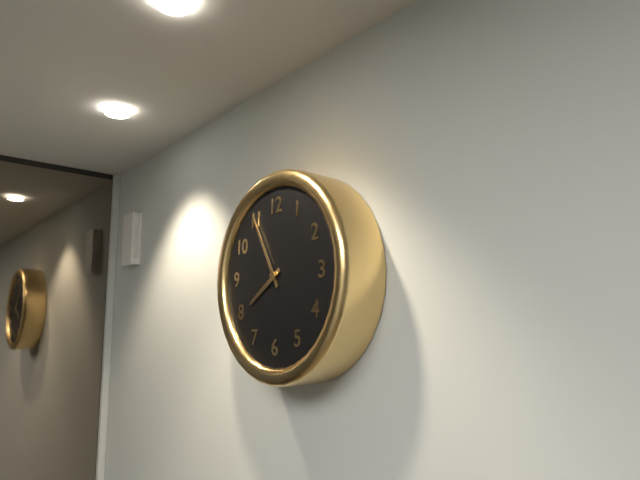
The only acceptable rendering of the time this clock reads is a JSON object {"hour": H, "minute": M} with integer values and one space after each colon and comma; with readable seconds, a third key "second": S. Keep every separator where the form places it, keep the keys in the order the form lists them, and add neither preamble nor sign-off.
{"hour": 7, "minute": 55}
